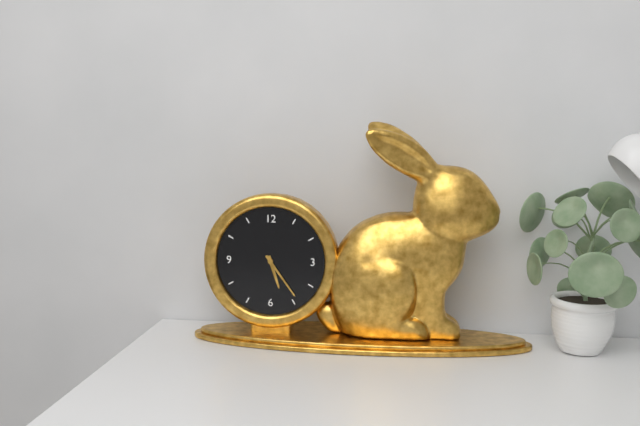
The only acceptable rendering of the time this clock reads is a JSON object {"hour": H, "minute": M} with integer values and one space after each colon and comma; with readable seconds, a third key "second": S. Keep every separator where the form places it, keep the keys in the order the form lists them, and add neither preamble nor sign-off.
{"hour": 5, "minute": 24}
